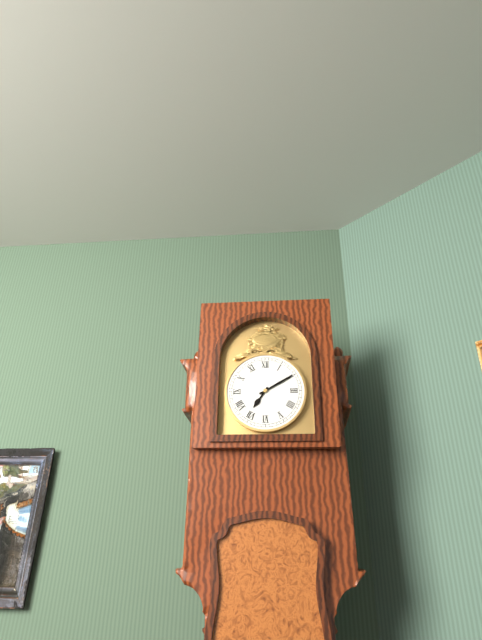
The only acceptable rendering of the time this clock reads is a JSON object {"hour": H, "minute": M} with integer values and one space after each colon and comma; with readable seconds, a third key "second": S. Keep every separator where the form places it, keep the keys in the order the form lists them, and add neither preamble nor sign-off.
{"hour": 7, "minute": 10}
